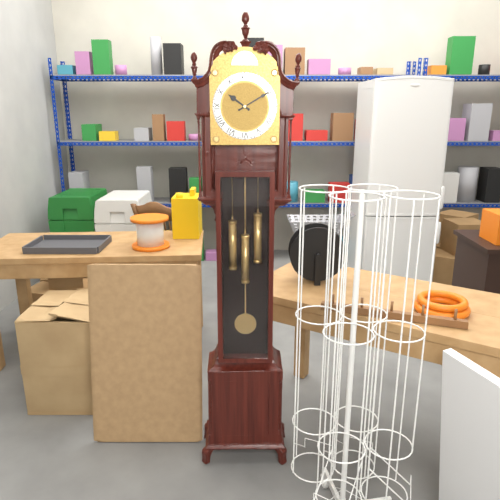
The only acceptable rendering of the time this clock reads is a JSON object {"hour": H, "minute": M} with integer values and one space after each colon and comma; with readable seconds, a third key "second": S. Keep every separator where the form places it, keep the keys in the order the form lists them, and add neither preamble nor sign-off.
{"hour": 10, "minute": 10}
